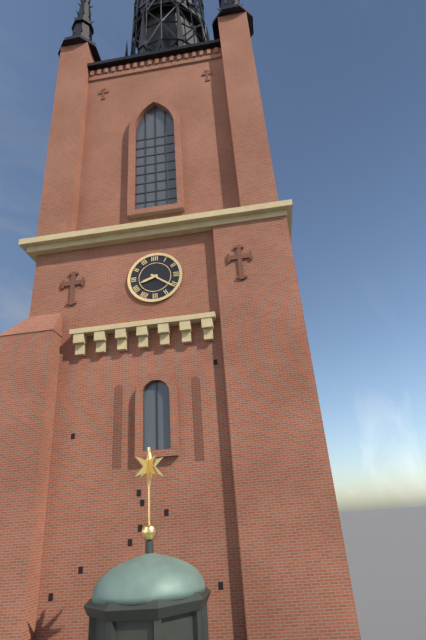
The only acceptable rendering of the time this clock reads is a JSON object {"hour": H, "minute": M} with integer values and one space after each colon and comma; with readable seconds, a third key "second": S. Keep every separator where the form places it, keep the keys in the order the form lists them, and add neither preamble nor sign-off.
{"hour": 8, "minute": 21}
